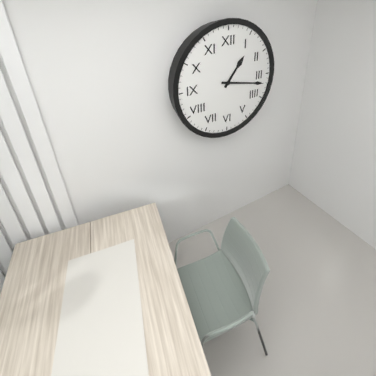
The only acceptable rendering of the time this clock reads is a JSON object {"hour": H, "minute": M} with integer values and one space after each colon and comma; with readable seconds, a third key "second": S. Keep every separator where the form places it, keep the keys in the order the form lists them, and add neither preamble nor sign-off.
{"hour": 1, "minute": 17}
